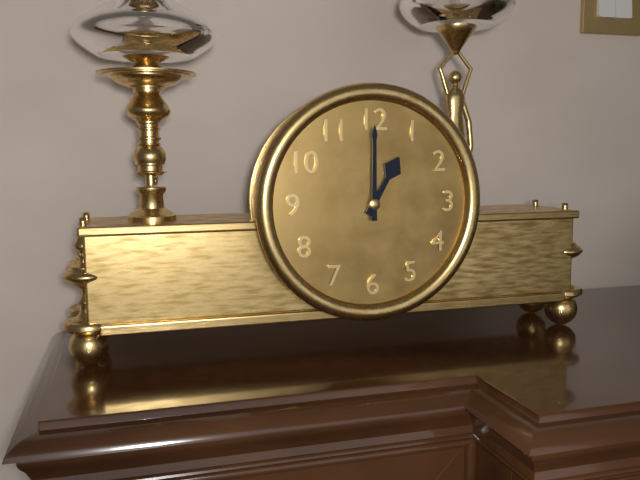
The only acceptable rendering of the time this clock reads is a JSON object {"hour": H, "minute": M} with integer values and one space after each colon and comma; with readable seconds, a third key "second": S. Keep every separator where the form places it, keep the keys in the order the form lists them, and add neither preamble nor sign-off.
{"hour": 1, "minute": 0}
